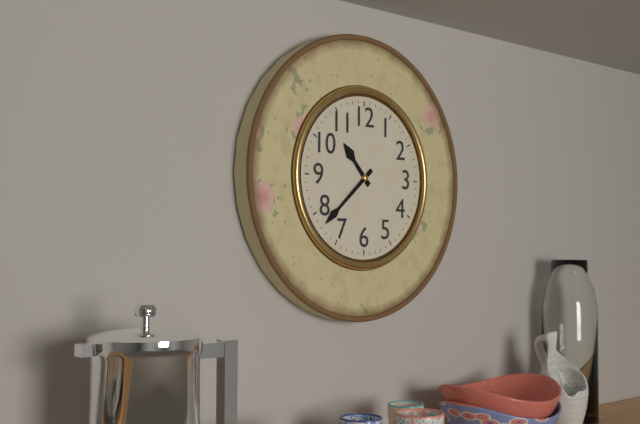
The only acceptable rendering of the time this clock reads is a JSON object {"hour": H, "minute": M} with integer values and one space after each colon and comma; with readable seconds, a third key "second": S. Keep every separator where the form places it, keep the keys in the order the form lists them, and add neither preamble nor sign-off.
{"hour": 10, "minute": 38}
